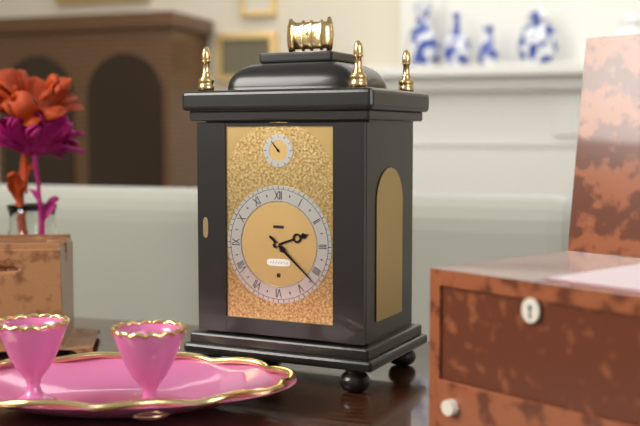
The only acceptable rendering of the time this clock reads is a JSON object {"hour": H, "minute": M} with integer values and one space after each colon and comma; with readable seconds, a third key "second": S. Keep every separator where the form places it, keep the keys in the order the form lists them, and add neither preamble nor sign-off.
{"hour": 2, "minute": 22}
